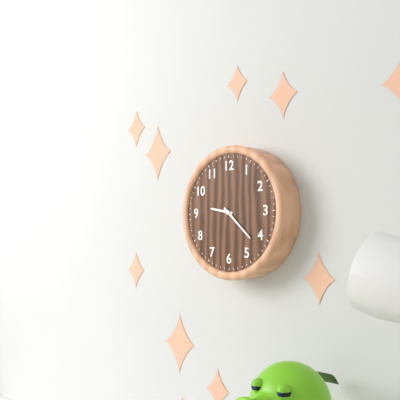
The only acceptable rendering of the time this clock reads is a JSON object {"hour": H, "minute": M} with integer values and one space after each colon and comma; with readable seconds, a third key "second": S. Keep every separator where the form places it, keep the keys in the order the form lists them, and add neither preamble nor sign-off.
{"hour": 9, "minute": 22}
